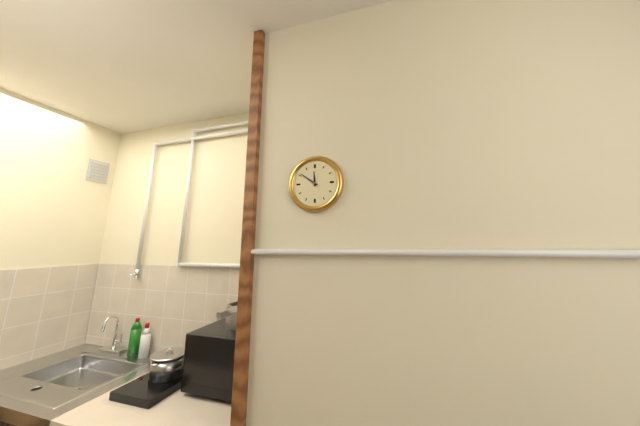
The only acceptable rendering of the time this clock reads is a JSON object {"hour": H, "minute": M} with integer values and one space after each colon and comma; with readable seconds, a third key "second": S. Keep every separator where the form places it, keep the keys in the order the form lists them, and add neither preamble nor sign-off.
{"hour": 11, "minute": 51}
